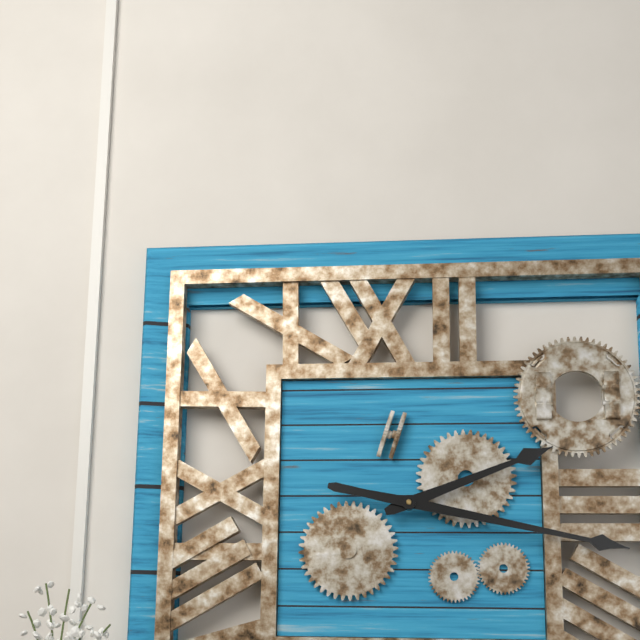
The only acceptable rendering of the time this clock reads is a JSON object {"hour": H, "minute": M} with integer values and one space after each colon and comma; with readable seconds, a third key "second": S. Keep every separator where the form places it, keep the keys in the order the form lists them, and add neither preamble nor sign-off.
{"hour": 2, "minute": 17}
